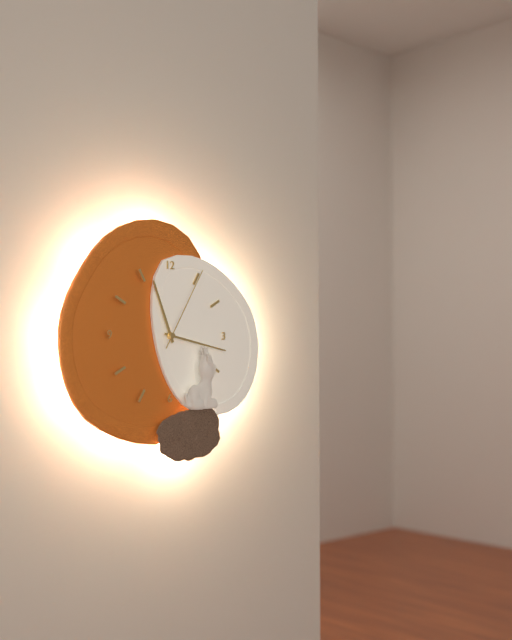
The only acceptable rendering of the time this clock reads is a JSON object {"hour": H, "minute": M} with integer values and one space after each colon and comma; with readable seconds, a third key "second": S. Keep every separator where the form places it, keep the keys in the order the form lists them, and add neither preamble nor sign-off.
{"hour": 11, "minute": 17, "second": 5}
